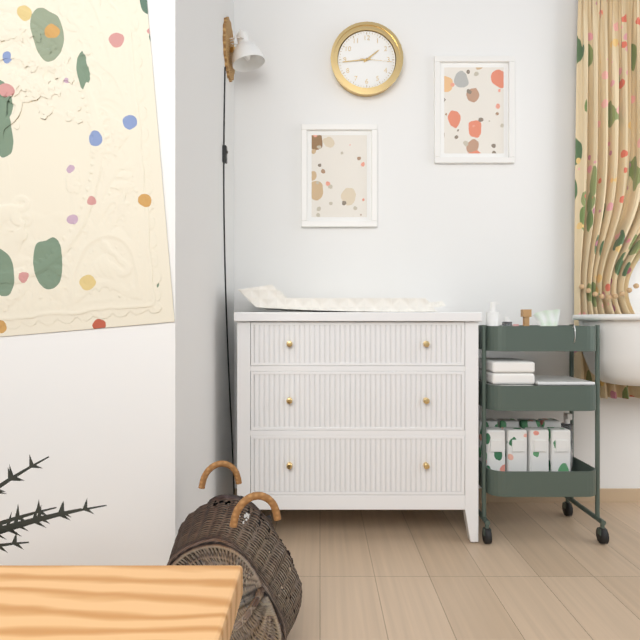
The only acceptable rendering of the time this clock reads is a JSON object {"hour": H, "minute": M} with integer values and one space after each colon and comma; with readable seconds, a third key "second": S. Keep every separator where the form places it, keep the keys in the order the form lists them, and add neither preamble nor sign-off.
{"hour": 1, "minute": 44}
